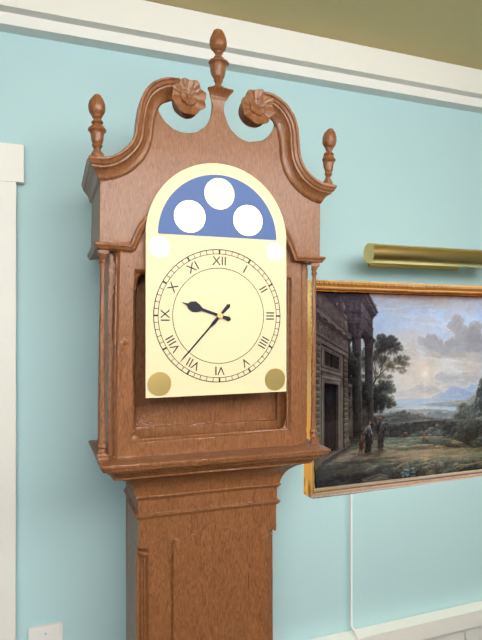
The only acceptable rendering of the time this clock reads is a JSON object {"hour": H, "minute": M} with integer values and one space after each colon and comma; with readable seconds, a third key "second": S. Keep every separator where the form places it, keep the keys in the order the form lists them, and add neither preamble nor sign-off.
{"hour": 9, "minute": 37}
